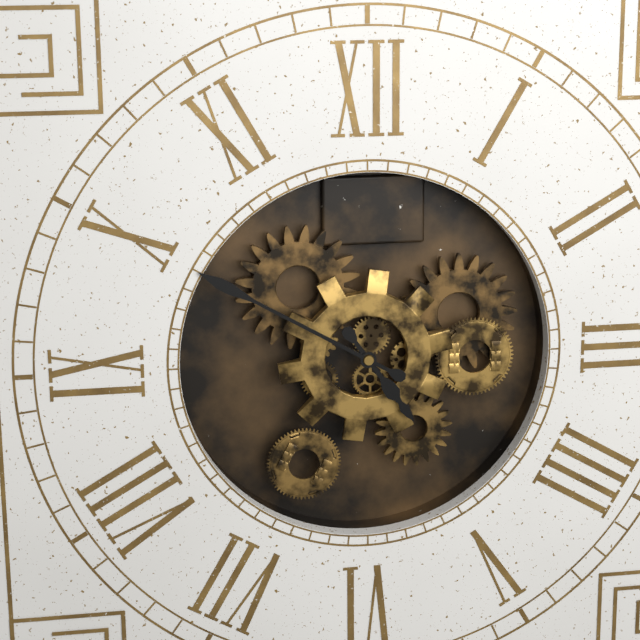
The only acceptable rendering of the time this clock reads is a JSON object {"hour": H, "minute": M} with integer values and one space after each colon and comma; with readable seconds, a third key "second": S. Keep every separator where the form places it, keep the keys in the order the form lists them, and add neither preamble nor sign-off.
{"hour": 4, "minute": 50}
